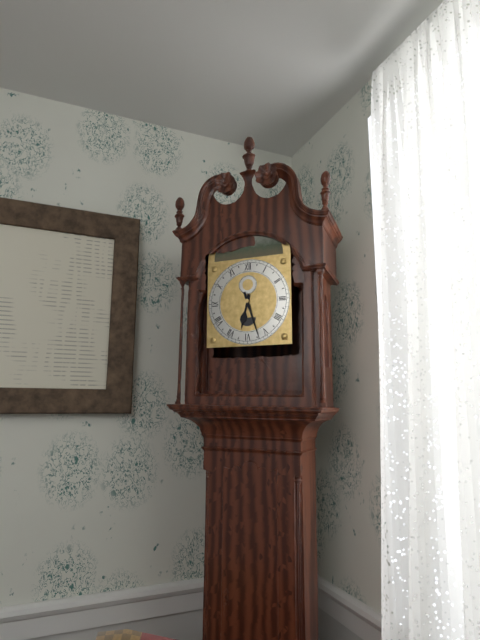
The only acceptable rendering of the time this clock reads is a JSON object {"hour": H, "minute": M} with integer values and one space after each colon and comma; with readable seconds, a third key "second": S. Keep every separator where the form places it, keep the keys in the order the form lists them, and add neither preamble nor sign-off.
{"hour": 6, "minute": 27}
